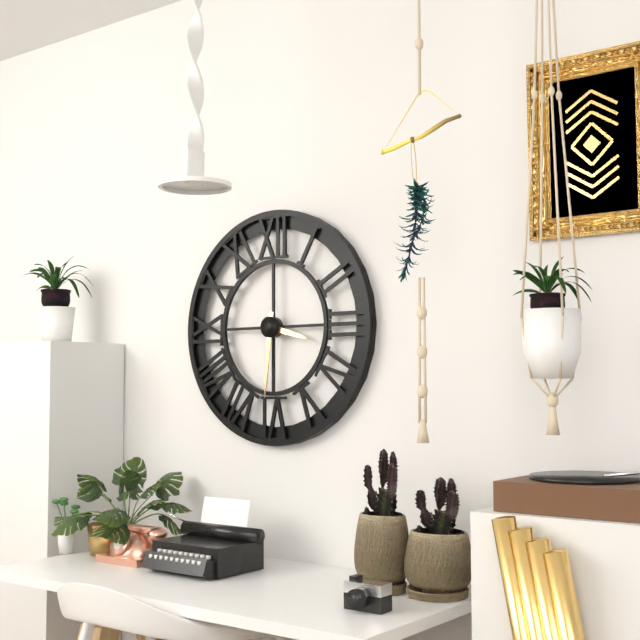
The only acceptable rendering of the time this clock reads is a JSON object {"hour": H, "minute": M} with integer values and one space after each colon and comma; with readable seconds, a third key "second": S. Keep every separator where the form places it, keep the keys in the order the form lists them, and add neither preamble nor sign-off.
{"hour": 3, "minute": 31}
